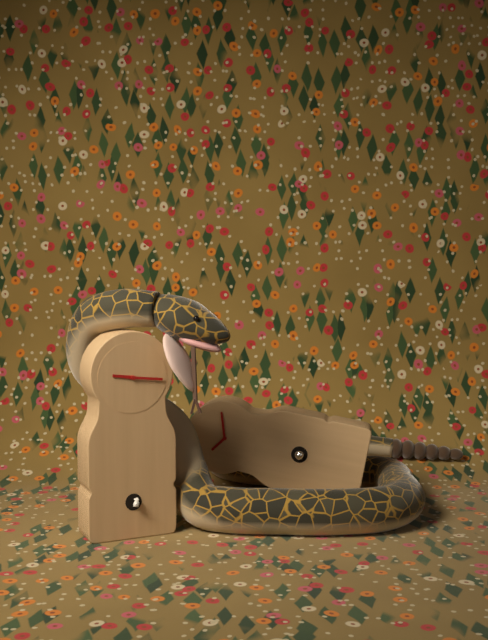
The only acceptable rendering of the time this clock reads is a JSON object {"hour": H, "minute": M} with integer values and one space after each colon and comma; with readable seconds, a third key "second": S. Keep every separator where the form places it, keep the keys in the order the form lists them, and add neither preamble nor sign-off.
{"hour": 9, "minute": 16}
